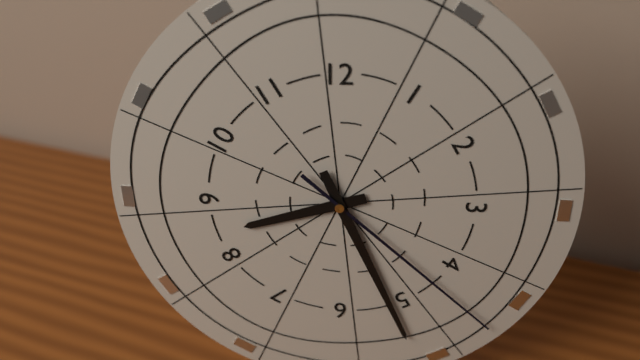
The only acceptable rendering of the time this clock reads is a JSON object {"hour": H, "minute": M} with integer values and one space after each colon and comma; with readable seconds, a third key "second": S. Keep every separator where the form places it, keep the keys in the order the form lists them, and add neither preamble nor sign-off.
{"hour": 8, "minute": 26, "second": 22}
